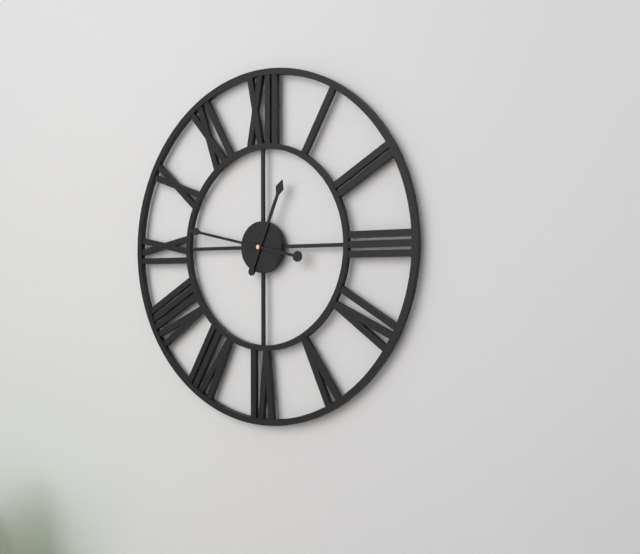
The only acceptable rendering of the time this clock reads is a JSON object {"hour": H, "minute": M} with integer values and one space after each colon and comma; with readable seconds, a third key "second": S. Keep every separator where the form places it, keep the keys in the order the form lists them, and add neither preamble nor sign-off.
{"hour": 12, "minute": 47}
